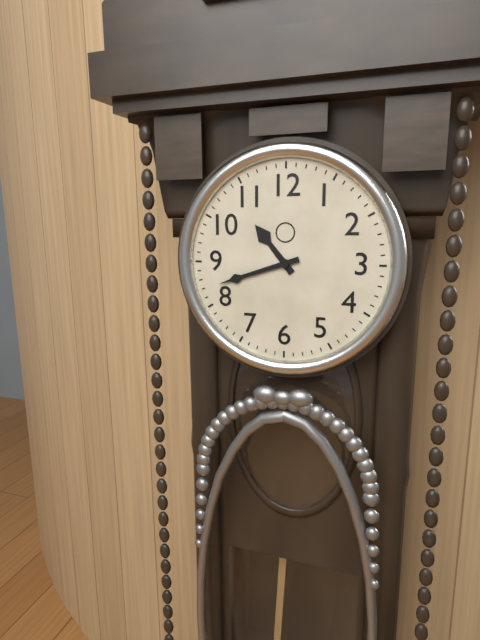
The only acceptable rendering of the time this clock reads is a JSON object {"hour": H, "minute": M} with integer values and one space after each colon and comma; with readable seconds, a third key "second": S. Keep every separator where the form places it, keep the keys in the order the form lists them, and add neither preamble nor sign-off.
{"hour": 10, "minute": 42}
